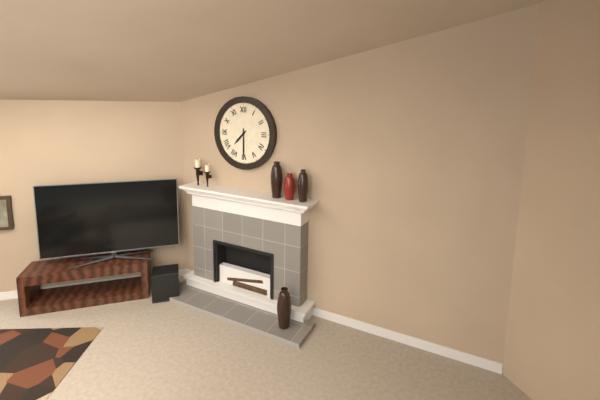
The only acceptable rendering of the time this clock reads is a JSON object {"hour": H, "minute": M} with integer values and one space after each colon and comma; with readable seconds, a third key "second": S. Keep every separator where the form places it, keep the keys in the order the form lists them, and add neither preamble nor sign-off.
{"hour": 7, "minute": 30}
